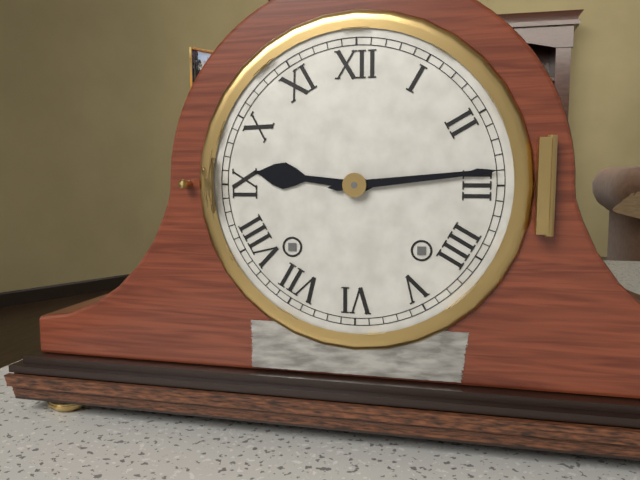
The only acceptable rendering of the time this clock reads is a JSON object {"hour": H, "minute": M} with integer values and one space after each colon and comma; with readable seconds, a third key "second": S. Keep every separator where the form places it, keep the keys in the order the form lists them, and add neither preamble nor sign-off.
{"hour": 9, "minute": 14}
